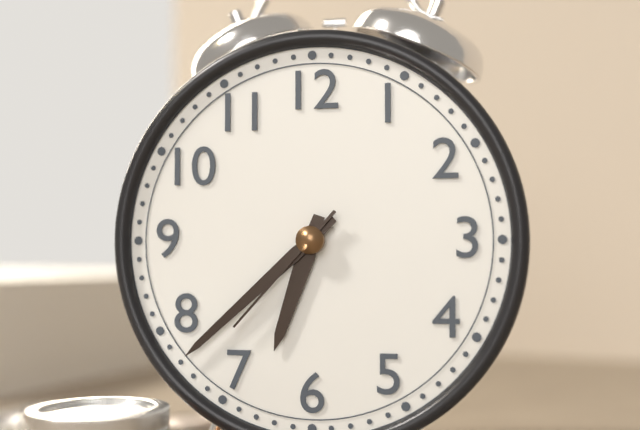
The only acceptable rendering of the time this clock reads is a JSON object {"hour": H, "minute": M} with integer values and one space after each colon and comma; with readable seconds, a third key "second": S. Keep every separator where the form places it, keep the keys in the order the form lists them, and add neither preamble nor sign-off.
{"hour": 6, "minute": 38, "second": 37}
